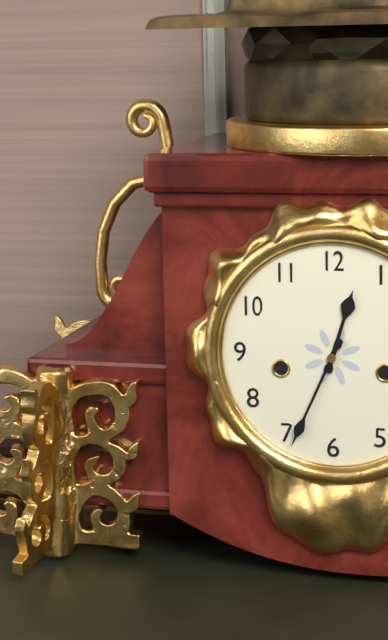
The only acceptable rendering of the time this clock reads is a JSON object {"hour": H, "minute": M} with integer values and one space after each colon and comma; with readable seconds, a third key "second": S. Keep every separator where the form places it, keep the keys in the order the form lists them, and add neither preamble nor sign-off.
{"hour": 12, "minute": 34}
